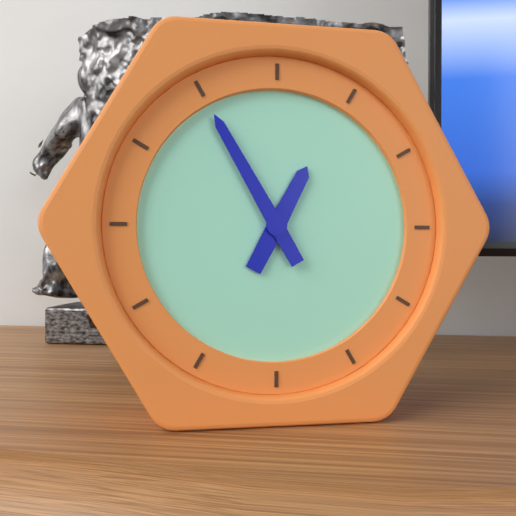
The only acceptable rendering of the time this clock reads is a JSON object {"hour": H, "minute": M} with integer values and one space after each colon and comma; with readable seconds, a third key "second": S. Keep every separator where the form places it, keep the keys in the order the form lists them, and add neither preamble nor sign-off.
{"hour": 12, "minute": 55}
